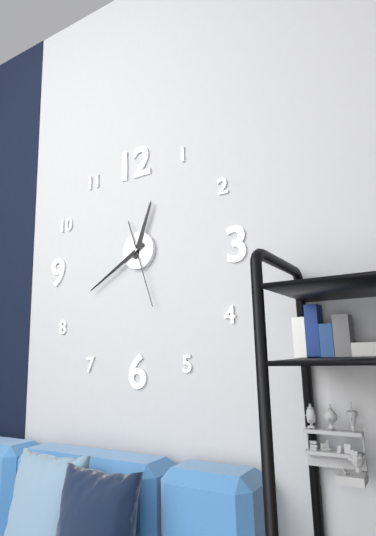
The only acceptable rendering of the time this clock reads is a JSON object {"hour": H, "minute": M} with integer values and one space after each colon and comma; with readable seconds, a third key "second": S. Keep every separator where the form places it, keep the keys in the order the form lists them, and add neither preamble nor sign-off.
{"hour": 12, "minute": 40, "second": 27}
